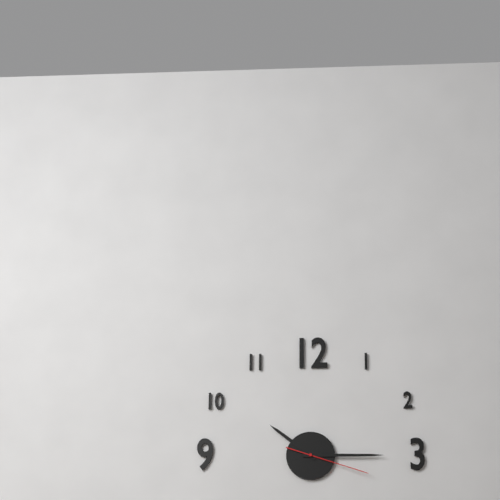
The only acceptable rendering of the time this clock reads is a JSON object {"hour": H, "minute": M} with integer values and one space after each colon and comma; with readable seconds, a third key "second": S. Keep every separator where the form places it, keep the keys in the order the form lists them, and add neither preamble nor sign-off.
{"hour": 10, "minute": 15, "second": 18}
